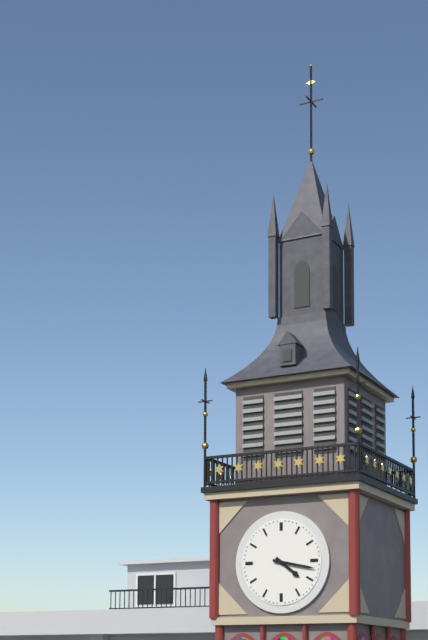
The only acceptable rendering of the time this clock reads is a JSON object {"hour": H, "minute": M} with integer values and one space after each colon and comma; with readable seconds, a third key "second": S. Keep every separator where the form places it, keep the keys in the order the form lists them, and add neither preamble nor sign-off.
{"hour": 4, "minute": 17}
